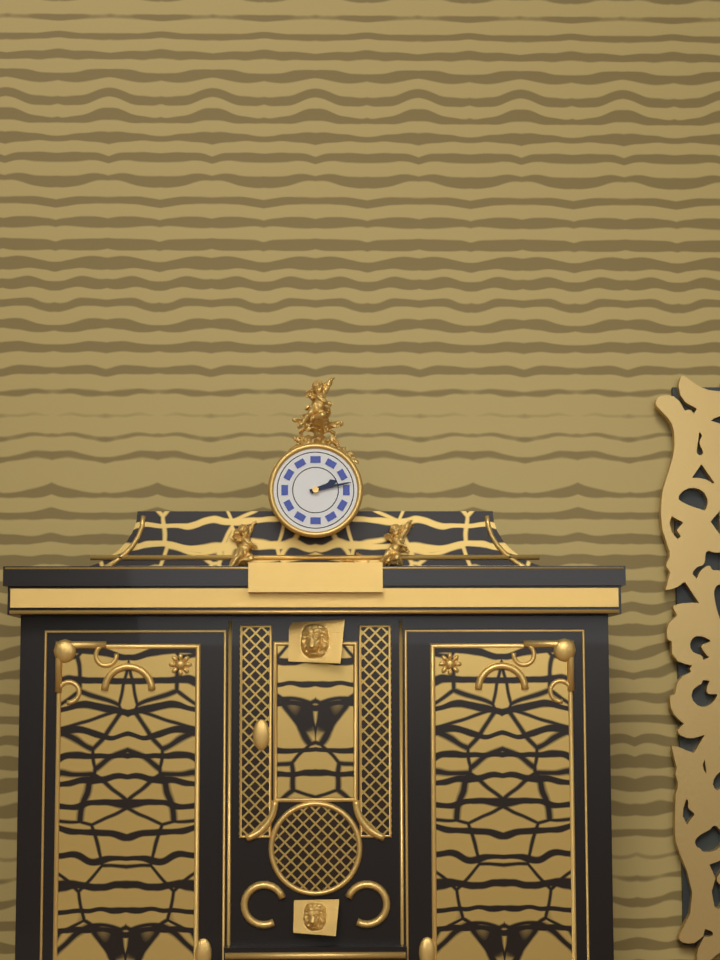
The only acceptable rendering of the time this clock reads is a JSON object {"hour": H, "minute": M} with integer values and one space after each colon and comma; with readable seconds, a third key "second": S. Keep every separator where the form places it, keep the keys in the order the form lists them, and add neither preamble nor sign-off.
{"hour": 2, "minute": 13}
